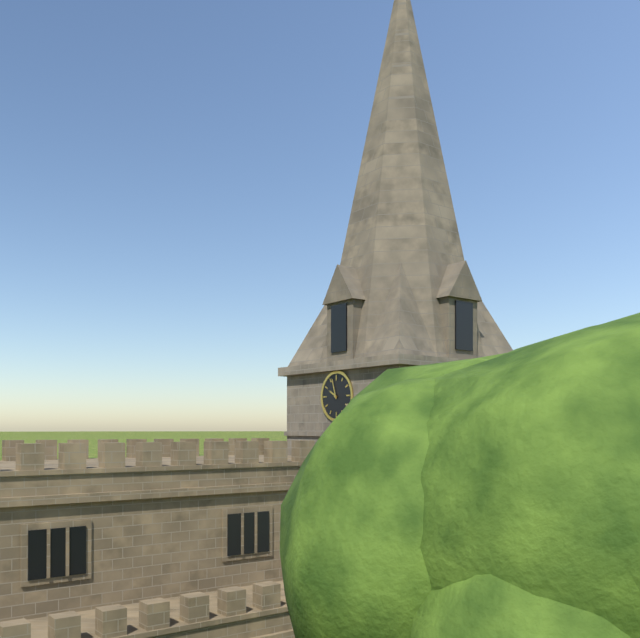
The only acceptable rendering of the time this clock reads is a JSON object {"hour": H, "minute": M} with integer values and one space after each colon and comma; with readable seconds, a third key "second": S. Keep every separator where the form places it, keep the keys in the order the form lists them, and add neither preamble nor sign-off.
{"hour": 9, "minute": 57}
